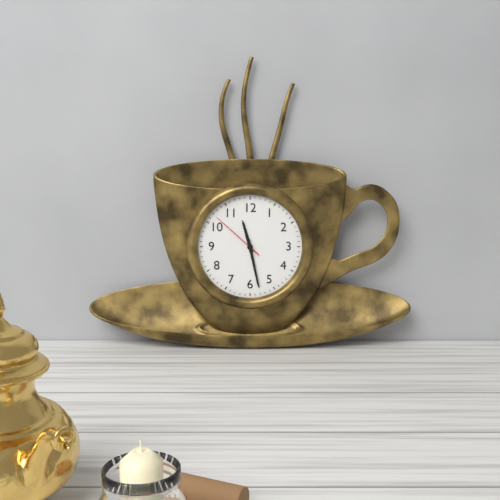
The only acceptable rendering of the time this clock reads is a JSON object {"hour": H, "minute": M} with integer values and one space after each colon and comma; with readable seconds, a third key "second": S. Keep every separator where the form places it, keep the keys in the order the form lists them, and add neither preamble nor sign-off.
{"hour": 11, "minute": 28, "second": 52}
